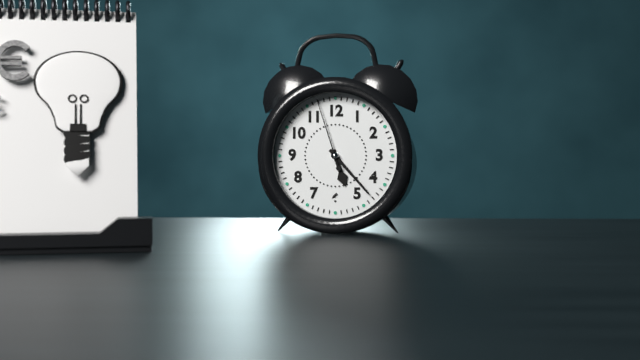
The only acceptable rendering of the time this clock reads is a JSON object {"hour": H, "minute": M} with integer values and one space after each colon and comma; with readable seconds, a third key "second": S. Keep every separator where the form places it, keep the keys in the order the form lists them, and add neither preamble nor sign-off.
{"hour": 5, "minute": 23, "second": 57}
